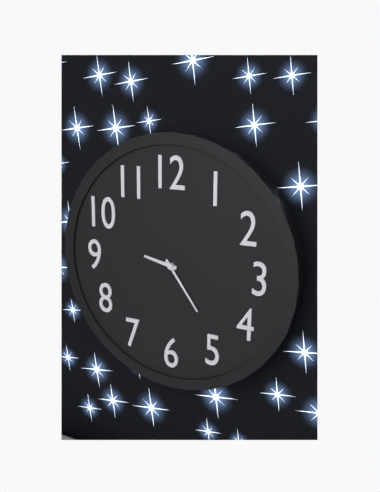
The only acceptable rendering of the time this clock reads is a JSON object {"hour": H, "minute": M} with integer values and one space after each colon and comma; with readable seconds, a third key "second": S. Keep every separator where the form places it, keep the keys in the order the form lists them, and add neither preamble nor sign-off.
{"hour": 9, "minute": 24}
